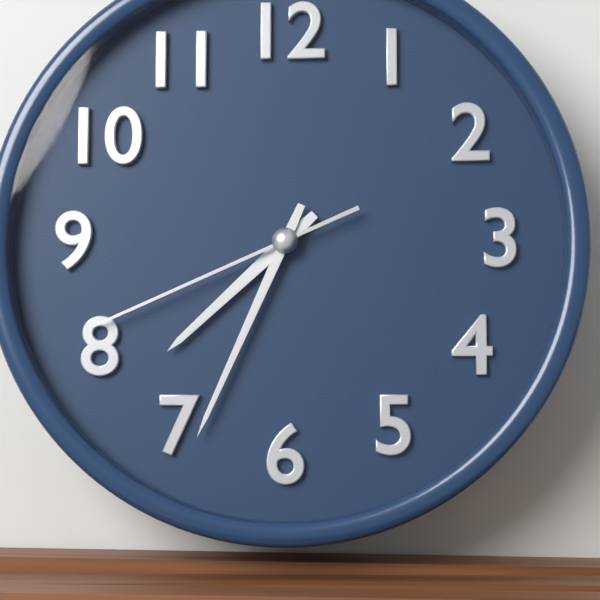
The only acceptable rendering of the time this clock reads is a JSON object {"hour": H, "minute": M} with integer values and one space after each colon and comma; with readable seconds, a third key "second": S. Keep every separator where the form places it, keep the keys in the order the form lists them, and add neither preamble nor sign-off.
{"hour": 7, "minute": 34, "second": 41}
